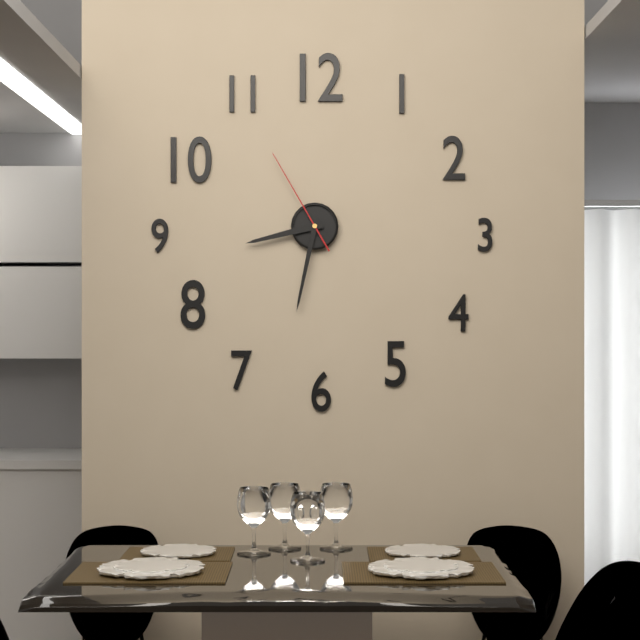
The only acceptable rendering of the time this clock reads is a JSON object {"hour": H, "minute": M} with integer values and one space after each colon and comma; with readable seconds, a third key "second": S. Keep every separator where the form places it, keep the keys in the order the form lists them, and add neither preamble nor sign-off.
{"hour": 8, "minute": 32, "second": 55}
